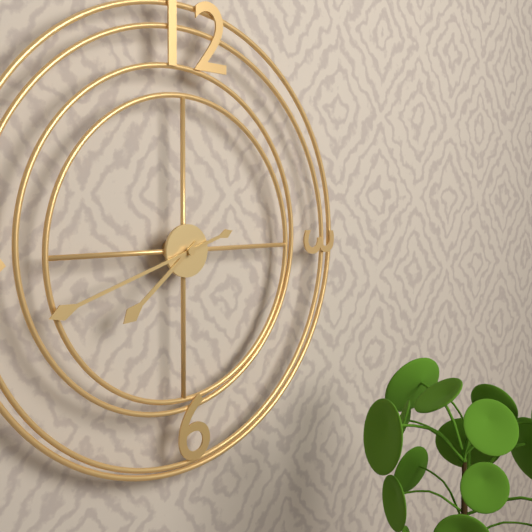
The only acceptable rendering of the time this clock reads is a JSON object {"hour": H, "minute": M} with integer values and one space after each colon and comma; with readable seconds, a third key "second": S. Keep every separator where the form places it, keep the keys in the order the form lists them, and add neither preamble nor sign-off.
{"hour": 7, "minute": 42}
